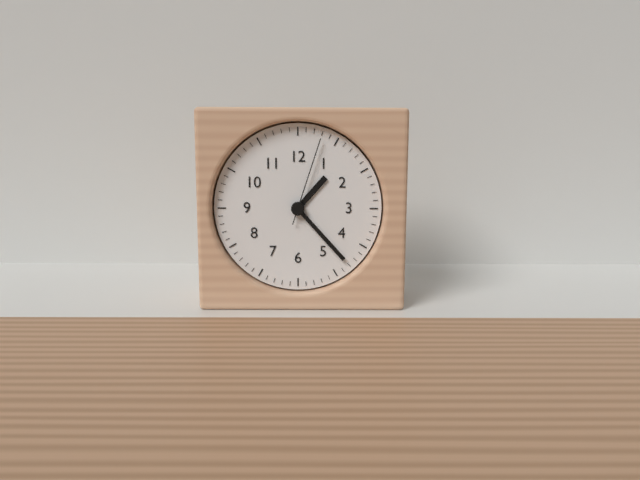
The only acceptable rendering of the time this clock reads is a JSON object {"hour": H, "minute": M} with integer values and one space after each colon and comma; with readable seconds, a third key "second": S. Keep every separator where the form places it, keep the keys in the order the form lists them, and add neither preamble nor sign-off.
{"hour": 1, "minute": 23, "second": 3}
